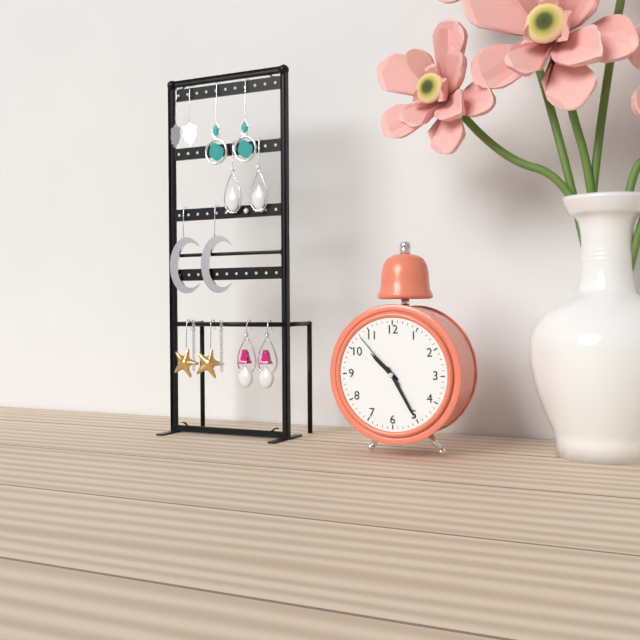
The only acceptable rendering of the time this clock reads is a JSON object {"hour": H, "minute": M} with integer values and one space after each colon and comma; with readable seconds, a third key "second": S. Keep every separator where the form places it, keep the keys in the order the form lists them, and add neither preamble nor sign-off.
{"hour": 10, "minute": 25, "second": 53}
